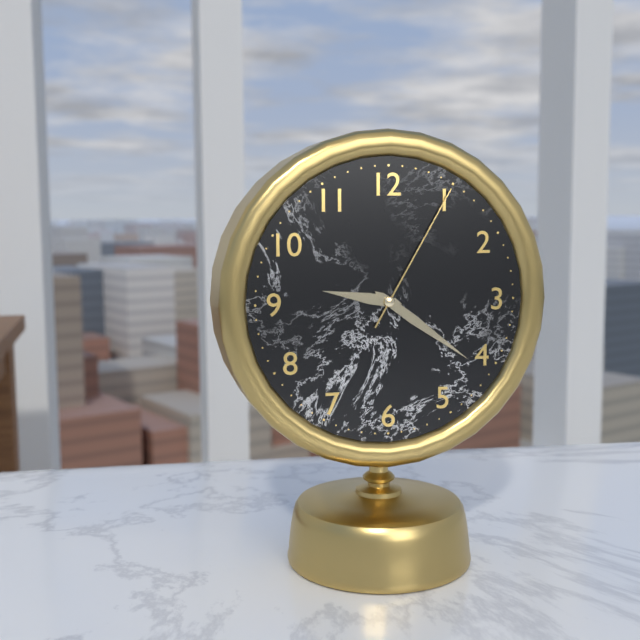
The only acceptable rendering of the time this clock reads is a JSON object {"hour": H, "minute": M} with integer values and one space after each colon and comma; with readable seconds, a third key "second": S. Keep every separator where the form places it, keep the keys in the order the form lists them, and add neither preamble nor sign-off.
{"hour": 9, "minute": 21, "second": 5}
